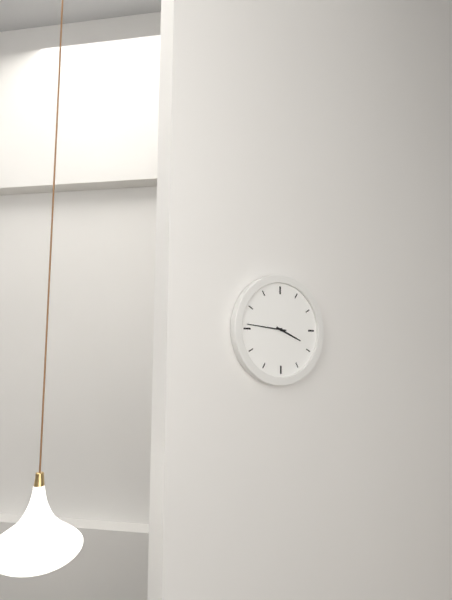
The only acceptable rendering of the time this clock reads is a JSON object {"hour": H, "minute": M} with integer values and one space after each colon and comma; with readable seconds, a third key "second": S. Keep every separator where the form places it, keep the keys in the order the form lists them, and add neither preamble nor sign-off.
{"hour": 3, "minute": 46}
